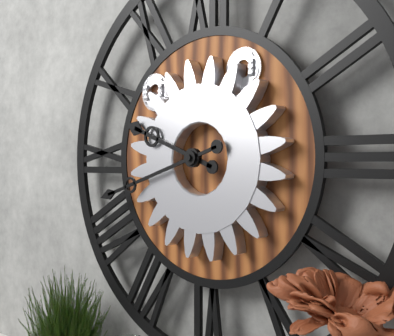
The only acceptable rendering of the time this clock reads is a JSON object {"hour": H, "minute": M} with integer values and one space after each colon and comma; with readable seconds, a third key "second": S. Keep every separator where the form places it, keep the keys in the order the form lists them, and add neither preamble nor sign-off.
{"hour": 9, "minute": 42}
